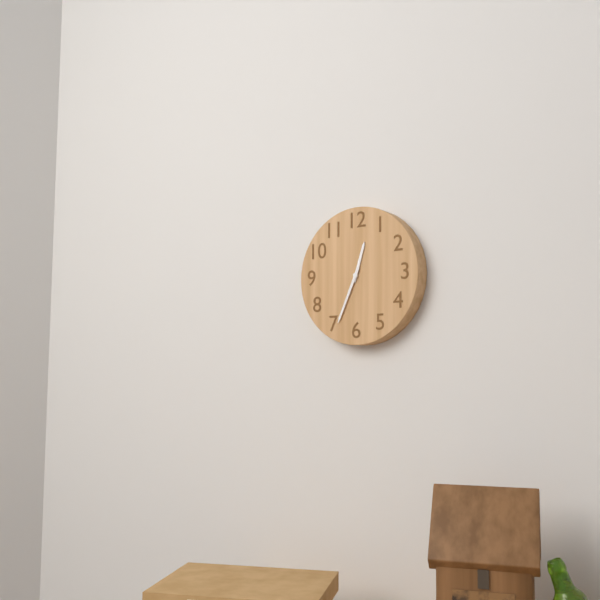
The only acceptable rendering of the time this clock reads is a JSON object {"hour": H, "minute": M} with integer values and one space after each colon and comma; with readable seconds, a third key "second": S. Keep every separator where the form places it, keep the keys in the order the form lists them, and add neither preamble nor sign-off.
{"hour": 12, "minute": 34}
